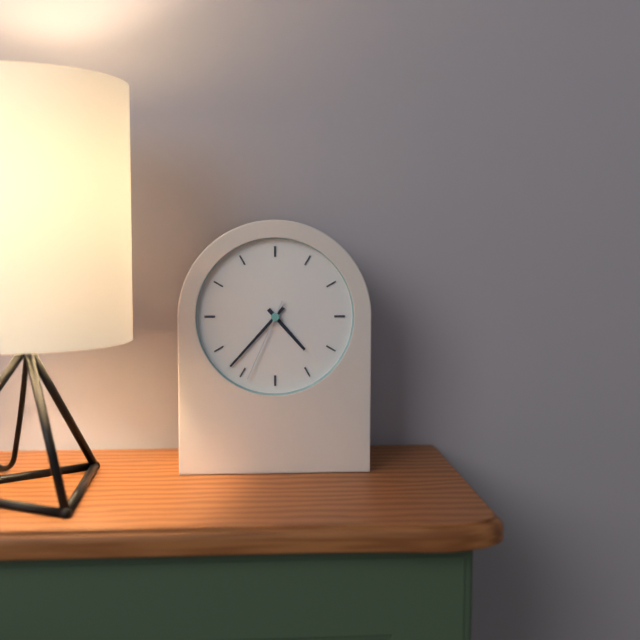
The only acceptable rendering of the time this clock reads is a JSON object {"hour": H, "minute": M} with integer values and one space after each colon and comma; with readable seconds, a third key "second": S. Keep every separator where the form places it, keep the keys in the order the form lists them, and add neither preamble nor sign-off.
{"hour": 4, "minute": 37, "second": 34}
